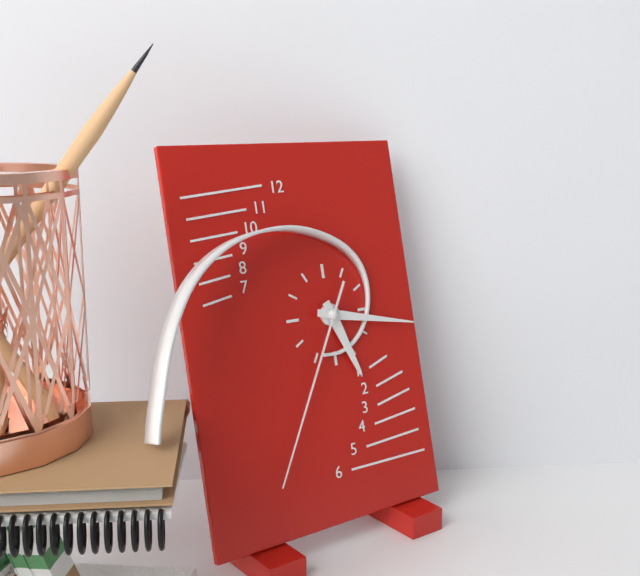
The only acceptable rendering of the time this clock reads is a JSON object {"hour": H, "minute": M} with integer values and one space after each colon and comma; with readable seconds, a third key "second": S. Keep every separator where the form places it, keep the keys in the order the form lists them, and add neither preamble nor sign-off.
{"hour": 5, "minute": 17, "second": 35}
